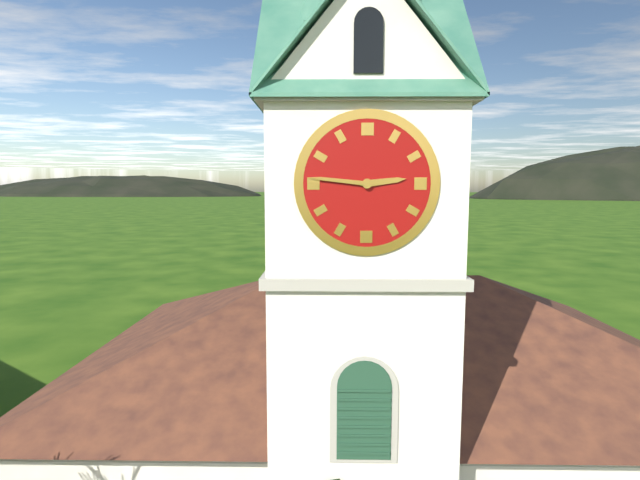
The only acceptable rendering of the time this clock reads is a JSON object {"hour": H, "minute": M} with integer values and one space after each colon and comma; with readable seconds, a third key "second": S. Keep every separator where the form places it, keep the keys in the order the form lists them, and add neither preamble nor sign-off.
{"hour": 2, "minute": 46}
